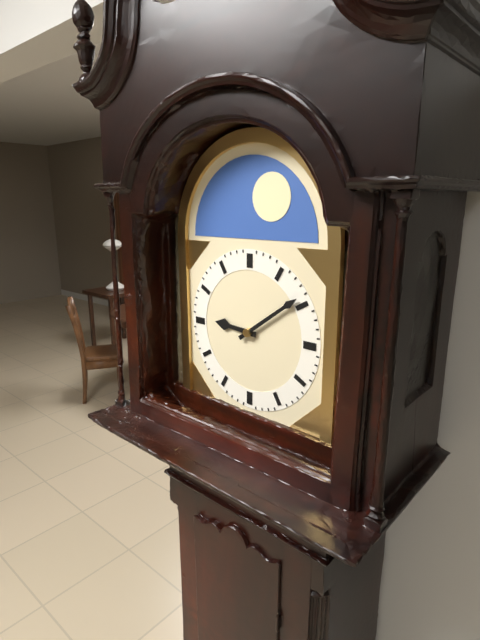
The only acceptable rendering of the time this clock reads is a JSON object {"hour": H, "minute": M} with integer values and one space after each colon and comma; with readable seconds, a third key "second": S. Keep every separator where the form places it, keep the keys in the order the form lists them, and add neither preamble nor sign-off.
{"hour": 9, "minute": 9}
